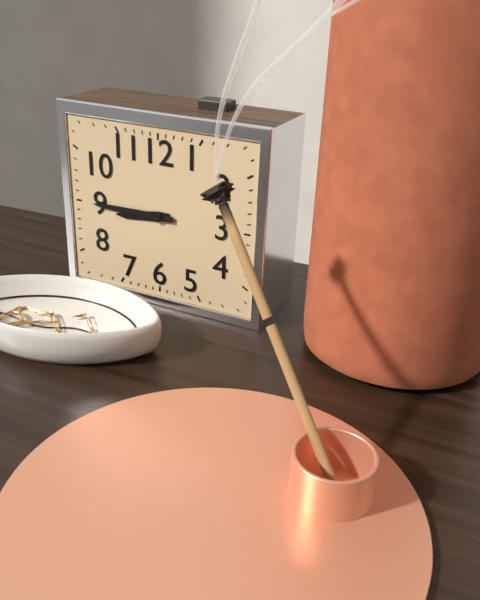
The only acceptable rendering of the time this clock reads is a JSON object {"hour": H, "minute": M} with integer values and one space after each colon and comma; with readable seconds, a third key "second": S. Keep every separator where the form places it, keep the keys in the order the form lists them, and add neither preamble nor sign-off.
{"hour": 8, "minute": 45}
